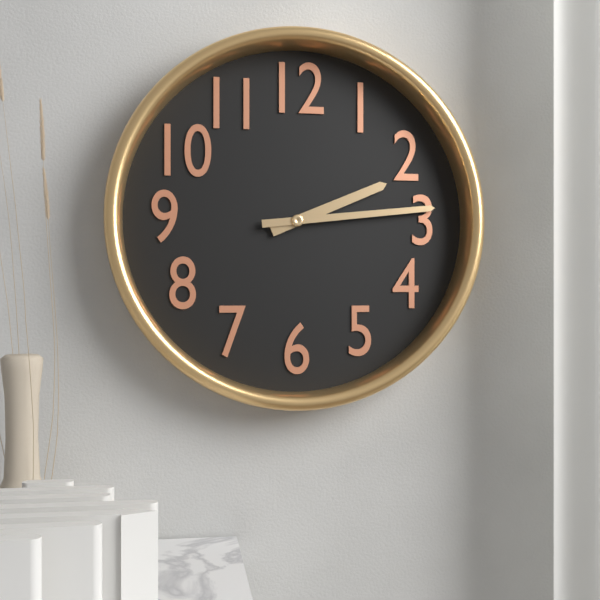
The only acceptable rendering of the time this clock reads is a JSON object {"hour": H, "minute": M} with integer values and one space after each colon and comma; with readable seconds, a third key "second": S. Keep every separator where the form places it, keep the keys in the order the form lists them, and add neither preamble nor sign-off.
{"hour": 2, "minute": 14}
